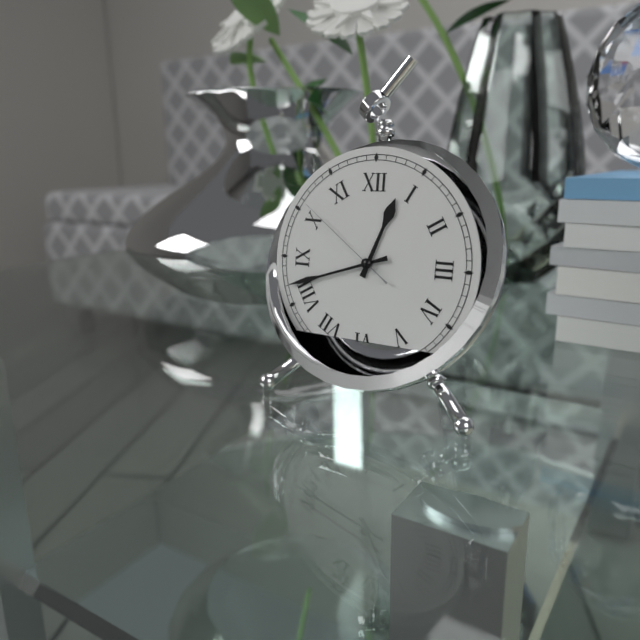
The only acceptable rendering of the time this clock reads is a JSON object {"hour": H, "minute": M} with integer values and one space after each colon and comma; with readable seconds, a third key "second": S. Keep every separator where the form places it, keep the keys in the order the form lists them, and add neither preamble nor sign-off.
{"hour": 12, "minute": 42, "second": 51}
